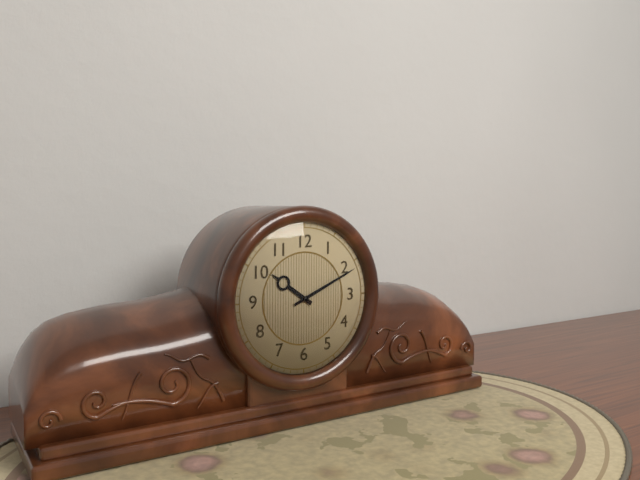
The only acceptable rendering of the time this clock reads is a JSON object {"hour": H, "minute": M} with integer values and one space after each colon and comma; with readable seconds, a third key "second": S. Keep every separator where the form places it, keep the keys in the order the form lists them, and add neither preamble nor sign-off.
{"hour": 10, "minute": 11}
